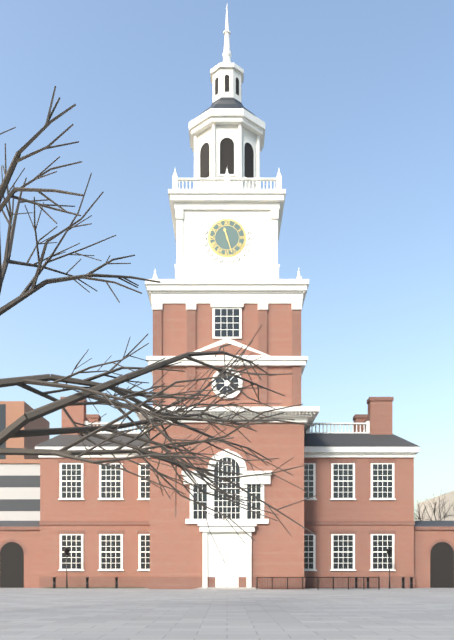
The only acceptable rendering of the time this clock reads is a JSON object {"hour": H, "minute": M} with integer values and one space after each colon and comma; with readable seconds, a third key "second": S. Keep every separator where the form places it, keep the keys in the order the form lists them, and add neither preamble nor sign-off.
{"hour": 11, "minute": 27}
